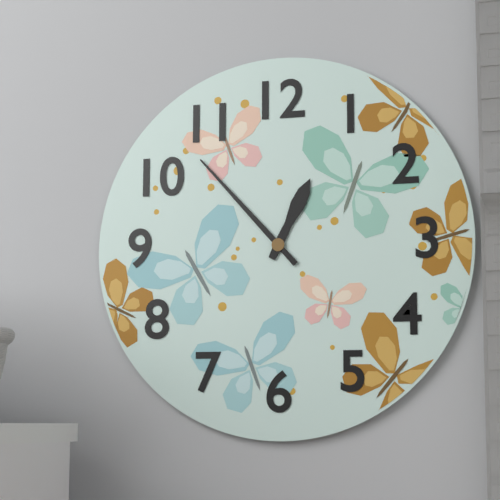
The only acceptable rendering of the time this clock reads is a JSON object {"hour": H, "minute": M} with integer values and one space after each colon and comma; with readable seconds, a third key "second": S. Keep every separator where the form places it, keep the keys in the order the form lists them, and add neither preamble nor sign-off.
{"hour": 12, "minute": 53}
